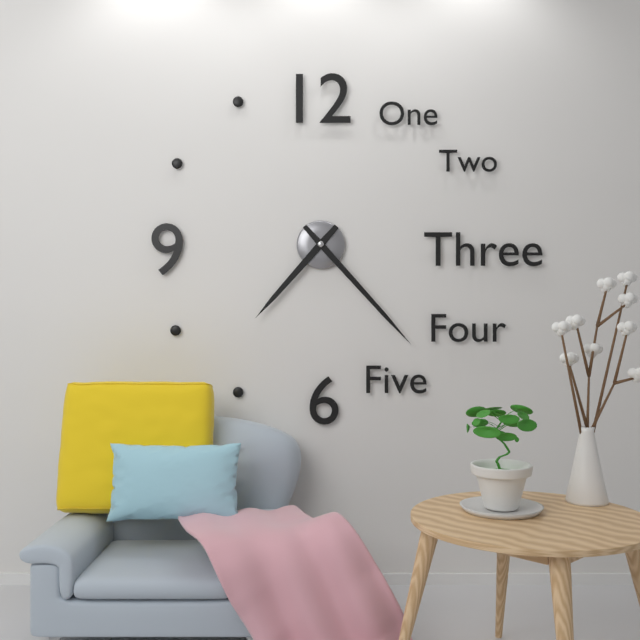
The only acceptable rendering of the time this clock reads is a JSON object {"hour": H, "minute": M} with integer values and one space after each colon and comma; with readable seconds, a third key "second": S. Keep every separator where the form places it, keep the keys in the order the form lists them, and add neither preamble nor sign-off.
{"hour": 7, "minute": 23}
